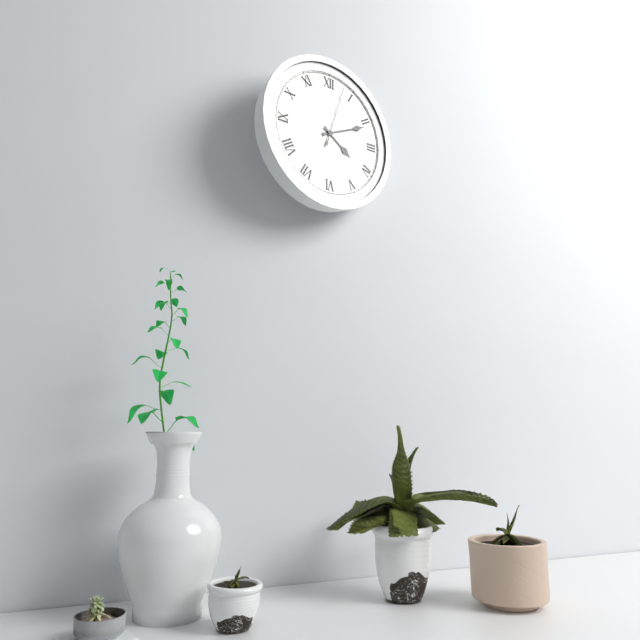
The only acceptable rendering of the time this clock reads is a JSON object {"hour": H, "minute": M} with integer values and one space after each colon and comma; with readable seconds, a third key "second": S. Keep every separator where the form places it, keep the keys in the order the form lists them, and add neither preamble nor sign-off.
{"hour": 4, "minute": 11, "second": 3}
